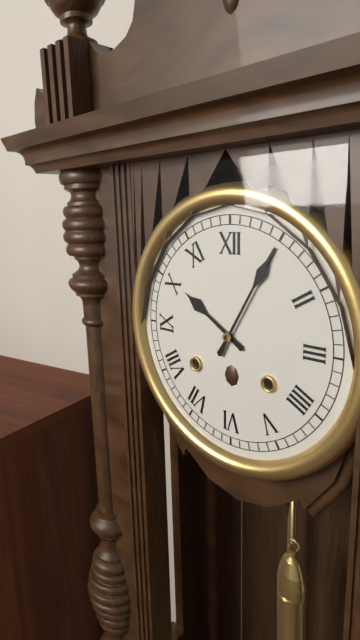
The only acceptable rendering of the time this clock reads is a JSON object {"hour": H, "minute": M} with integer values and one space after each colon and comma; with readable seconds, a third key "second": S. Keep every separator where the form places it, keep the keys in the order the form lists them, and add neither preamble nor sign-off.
{"hour": 10, "minute": 5}
